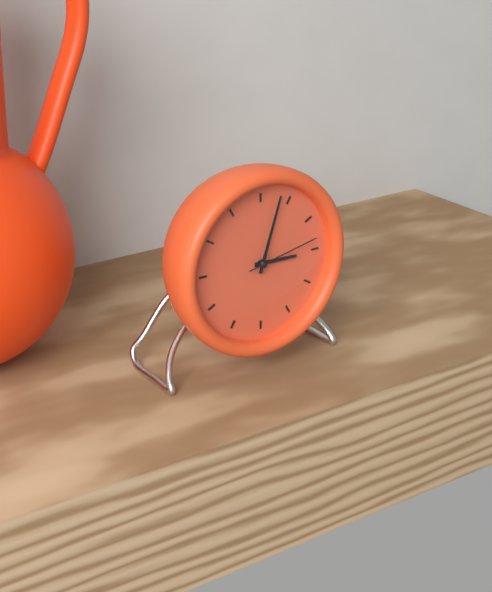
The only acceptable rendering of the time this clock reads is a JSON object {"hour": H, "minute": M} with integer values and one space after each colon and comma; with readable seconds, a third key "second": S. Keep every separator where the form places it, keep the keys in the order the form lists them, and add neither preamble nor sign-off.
{"hour": 3, "minute": 3, "second": 13}
